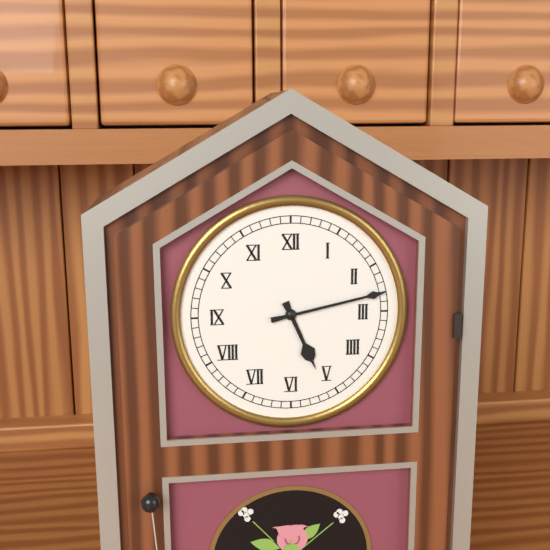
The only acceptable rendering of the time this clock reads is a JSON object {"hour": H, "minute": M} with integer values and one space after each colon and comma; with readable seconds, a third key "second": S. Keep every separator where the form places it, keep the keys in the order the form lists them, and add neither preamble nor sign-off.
{"hour": 5, "minute": 13}
